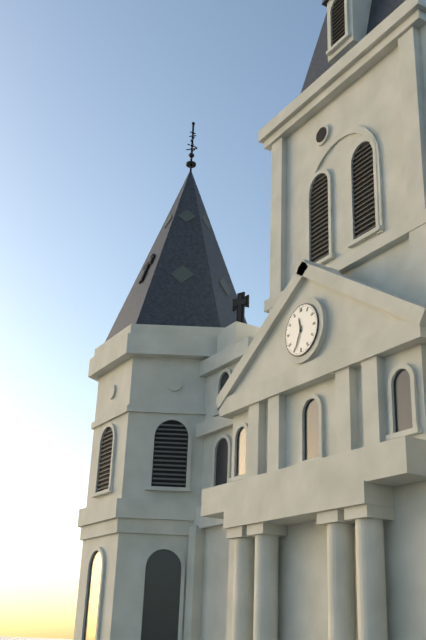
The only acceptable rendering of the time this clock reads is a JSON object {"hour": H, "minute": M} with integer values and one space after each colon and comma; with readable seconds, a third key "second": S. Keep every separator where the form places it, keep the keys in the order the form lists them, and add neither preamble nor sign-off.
{"hour": 11, "minute": 34}
